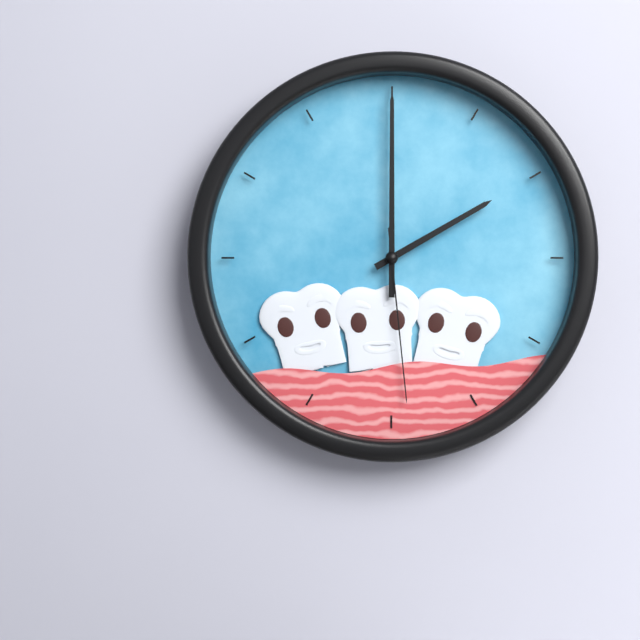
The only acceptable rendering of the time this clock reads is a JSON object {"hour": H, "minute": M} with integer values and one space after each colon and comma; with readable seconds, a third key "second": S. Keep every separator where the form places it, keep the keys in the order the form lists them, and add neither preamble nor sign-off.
{"hour": 2, "minute": 0, "second": 29}
